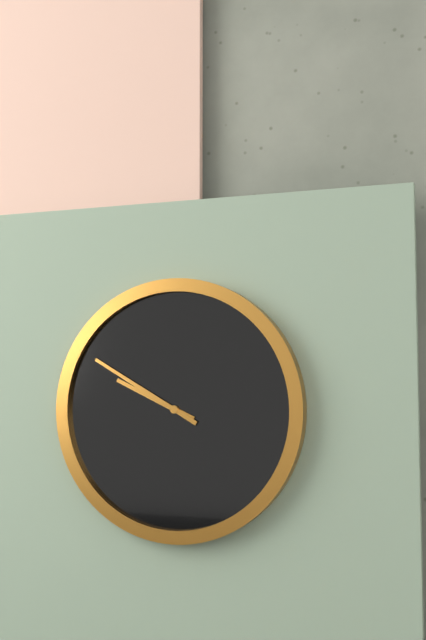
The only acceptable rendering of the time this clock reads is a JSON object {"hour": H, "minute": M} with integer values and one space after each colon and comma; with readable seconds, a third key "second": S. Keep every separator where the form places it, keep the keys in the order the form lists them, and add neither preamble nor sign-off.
{"hour": 9, "minute": 50}
